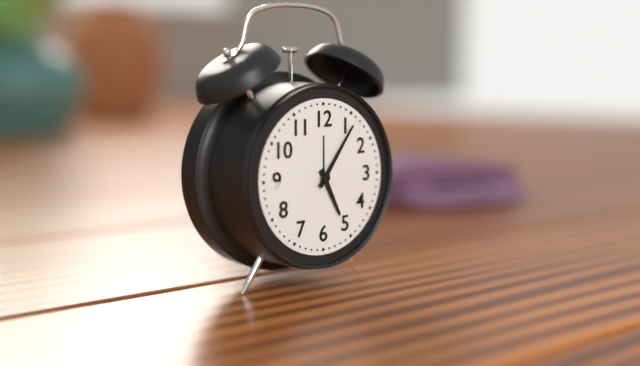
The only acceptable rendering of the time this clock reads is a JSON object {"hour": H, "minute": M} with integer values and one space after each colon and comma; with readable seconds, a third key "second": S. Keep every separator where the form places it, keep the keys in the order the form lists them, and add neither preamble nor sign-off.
{"hour": 5, "minute": 6}
